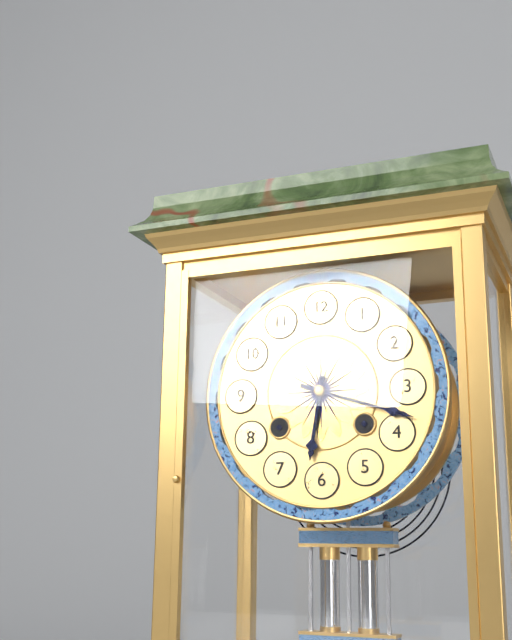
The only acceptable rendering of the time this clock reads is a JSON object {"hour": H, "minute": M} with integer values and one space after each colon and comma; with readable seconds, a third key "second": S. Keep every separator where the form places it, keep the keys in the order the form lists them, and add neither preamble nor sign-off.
{"hour": 6, "minute": 18}
